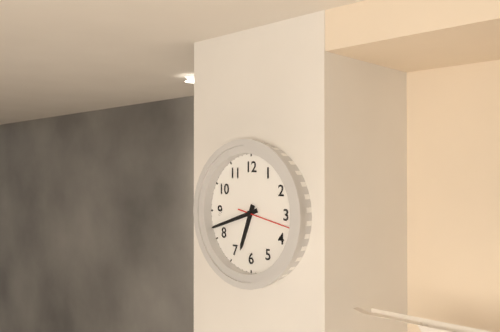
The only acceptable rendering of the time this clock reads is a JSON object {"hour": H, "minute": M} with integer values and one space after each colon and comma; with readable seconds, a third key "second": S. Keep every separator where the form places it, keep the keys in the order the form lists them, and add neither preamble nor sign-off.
{"hour": 6, "minute": 42, "second": 17}
